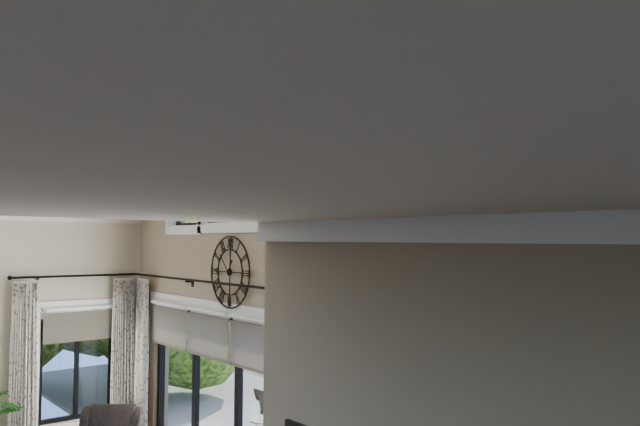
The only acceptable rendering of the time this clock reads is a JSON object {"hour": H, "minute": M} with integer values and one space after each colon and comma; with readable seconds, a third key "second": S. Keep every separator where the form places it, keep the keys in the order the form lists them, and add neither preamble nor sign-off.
{"hour": 12, "minute": 53}
